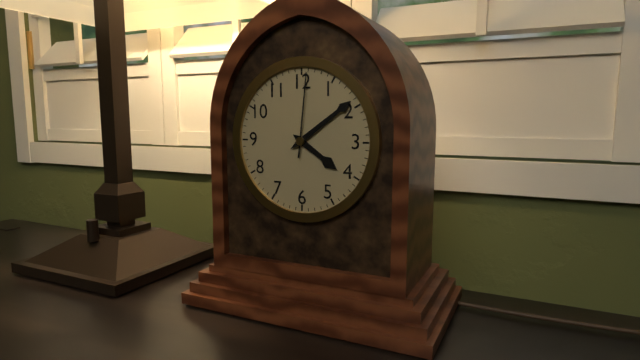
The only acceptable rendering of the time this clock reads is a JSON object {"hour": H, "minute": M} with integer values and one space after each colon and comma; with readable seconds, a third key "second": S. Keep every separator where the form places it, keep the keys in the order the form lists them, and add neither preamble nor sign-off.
{"hour": 4, "minute": 9, "second": 1}
